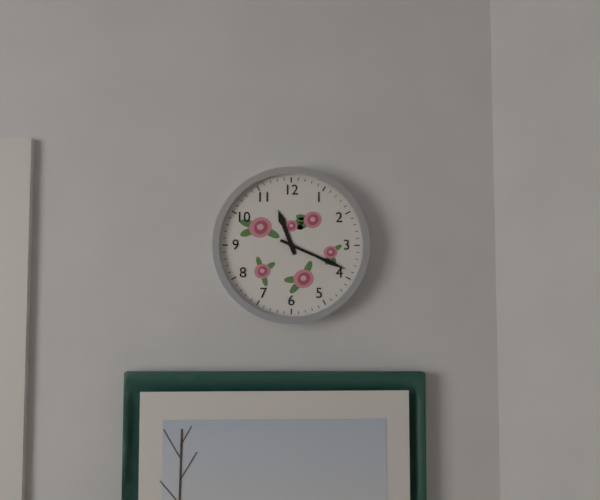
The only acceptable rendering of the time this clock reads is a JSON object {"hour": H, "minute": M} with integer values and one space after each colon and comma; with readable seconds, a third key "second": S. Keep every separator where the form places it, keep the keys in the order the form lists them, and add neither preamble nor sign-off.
{"hour": 11, "minute": 19}
